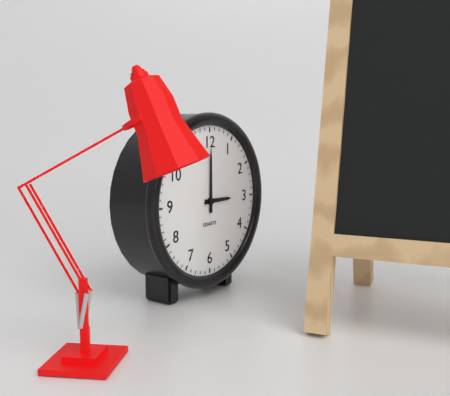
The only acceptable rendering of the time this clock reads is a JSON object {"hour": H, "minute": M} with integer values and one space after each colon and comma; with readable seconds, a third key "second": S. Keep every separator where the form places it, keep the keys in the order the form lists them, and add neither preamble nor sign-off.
{"hour": 3, "minute": 0}
